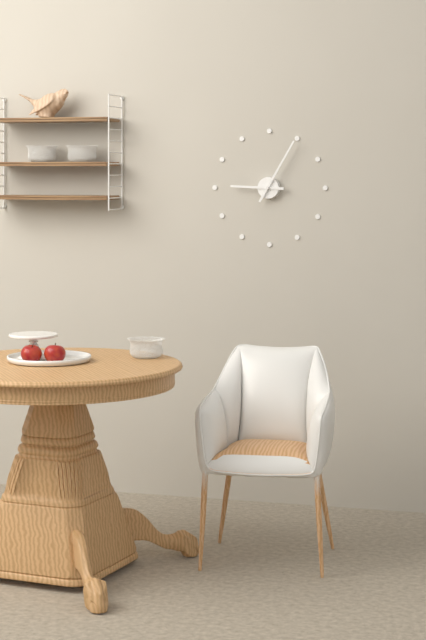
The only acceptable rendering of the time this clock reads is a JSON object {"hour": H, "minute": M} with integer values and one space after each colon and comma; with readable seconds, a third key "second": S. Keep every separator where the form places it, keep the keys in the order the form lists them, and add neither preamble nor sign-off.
{"hour": 9, "minute": 5}
